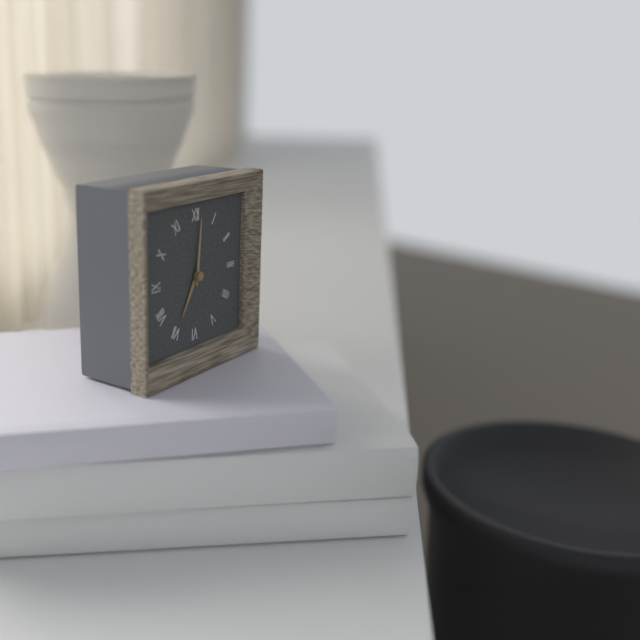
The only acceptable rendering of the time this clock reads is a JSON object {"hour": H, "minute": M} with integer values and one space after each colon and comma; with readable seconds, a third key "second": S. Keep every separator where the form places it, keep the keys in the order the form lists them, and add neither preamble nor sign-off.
{"hour": 7, "minute": 1}
